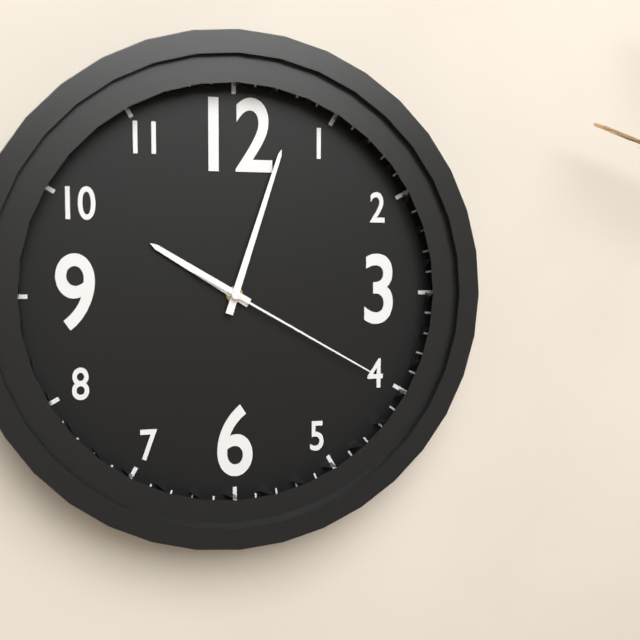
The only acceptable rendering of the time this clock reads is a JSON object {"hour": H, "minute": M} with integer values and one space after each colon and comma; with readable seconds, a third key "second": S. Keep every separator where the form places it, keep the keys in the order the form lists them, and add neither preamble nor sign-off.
{"hour": 10, "minute": 3, "second": 20}
